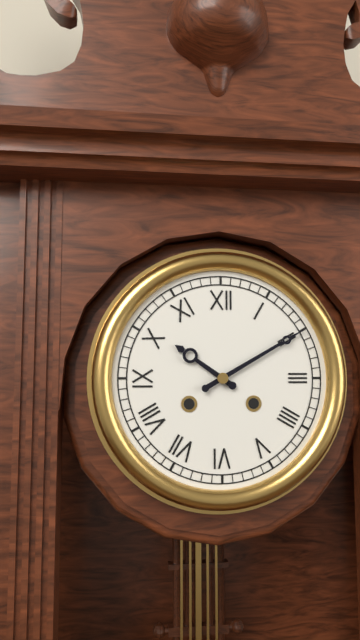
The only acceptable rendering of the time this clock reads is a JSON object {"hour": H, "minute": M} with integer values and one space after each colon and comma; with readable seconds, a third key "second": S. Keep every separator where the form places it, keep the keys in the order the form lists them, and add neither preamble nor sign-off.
{"hour": 10, "minute": 10}
